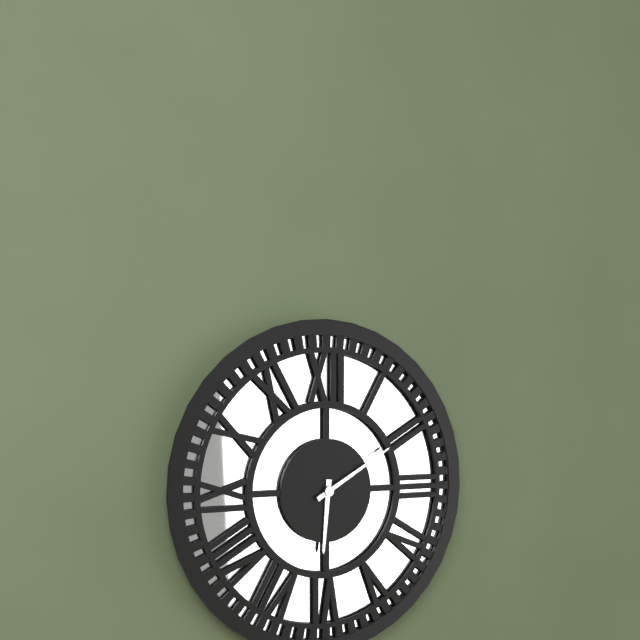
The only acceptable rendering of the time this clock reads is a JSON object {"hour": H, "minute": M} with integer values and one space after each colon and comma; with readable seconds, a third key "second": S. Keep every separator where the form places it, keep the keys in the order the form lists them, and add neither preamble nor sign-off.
{"hour": 6, "minute": 10}
